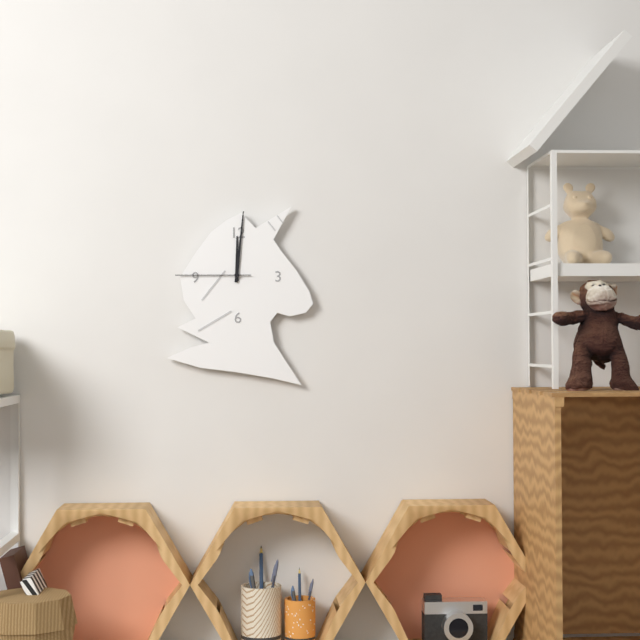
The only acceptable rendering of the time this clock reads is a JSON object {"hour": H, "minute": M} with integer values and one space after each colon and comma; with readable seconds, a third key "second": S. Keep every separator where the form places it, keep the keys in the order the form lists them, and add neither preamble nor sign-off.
{"hour": 12, "minute": 1, "second": 45}
